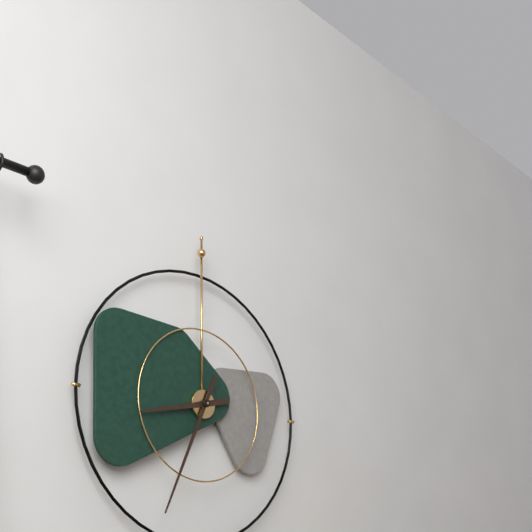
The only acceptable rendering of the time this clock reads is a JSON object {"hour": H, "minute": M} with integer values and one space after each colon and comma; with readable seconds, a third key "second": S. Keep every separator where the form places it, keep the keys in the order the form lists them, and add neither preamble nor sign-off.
{"hour": 8, "minute": 34}
